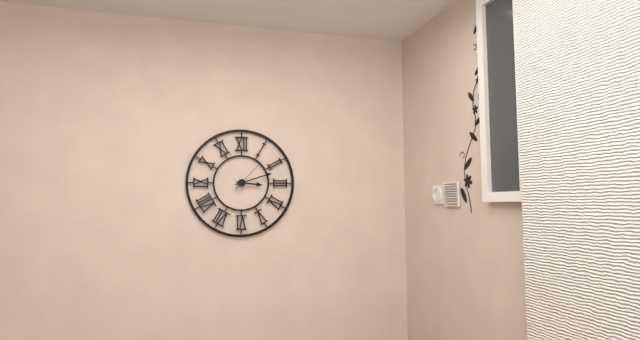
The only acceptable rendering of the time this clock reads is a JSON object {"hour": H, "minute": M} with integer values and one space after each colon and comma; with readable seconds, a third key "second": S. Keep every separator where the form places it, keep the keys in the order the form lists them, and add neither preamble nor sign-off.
{"hour": 3, "minute": 12}
